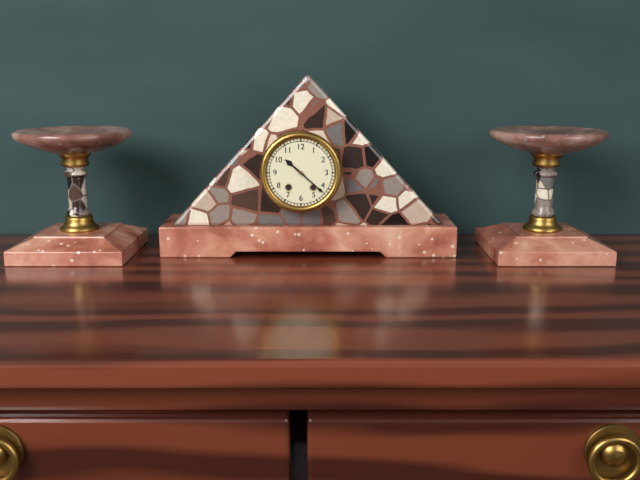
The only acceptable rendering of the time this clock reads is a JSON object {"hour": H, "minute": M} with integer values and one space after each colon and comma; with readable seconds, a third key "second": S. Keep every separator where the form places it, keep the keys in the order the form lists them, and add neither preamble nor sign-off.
{"hour": 10, "minute": 22}
